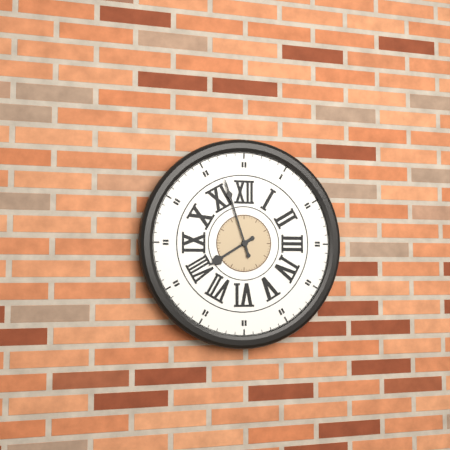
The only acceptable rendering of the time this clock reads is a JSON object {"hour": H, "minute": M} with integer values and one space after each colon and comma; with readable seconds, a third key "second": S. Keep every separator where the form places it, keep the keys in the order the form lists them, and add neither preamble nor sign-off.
{"hour": 7, "minute": 57}
